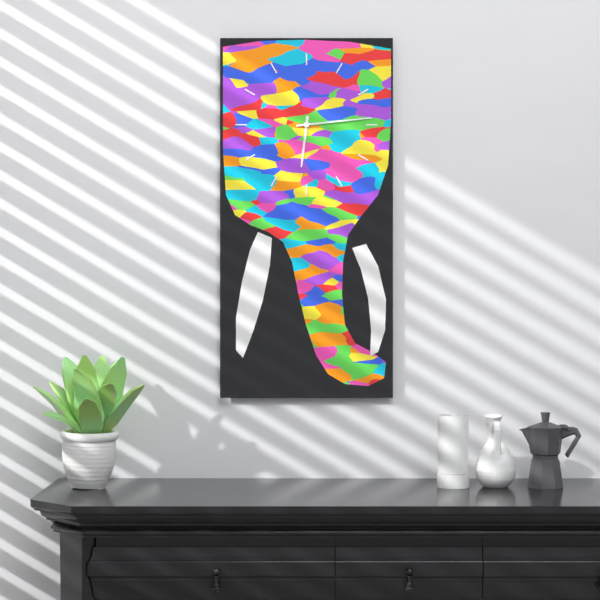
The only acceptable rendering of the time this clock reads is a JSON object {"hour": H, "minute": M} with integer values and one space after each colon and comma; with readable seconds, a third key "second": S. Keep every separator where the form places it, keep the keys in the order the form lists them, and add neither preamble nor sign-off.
{"hour": 6, "minute": 14}
